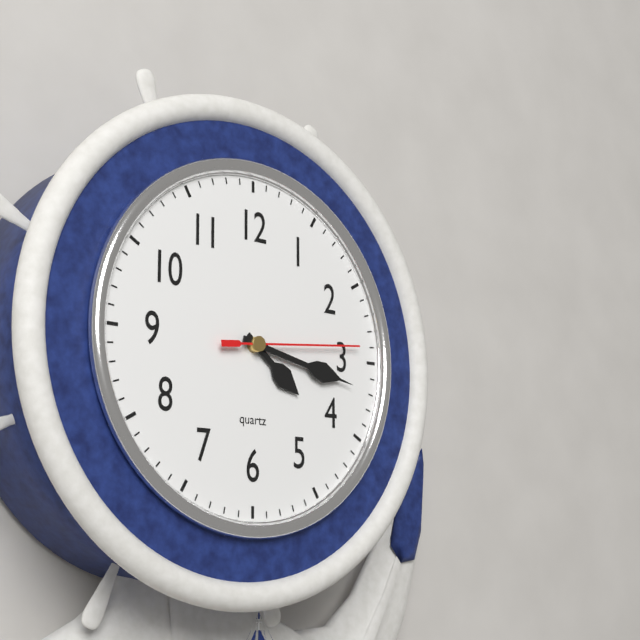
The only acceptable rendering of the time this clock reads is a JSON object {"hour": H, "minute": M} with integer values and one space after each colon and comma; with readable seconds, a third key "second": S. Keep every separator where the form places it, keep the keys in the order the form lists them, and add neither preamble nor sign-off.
{"hour": 4, "minute": 17, "second": 14}
